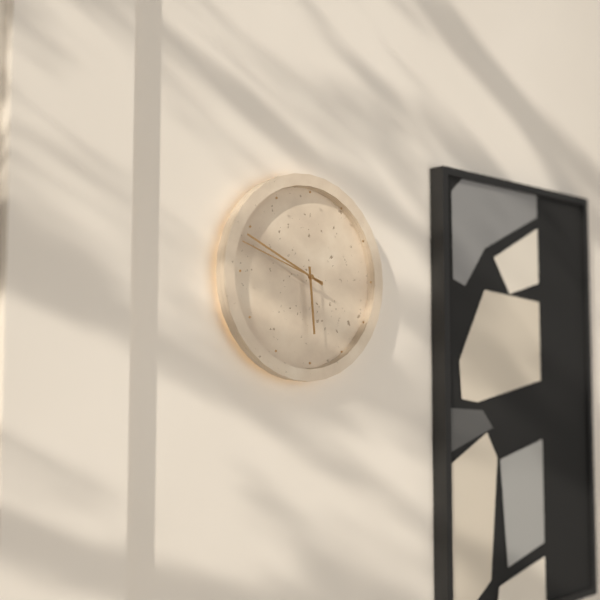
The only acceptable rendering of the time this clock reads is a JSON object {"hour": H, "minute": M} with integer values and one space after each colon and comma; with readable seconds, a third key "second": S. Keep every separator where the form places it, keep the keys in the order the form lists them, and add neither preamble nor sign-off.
{"hour": 5, "minute": 49, "second": 48}
